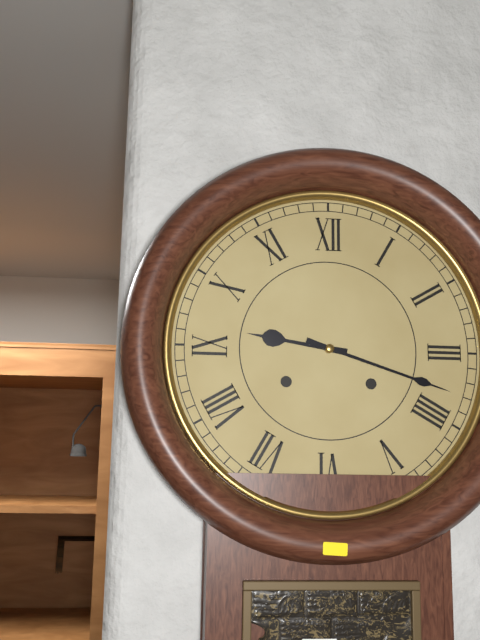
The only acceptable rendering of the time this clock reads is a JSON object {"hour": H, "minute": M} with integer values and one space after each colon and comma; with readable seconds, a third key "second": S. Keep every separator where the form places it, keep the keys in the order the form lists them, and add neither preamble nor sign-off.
{"hour": 9, "minute": 18}
